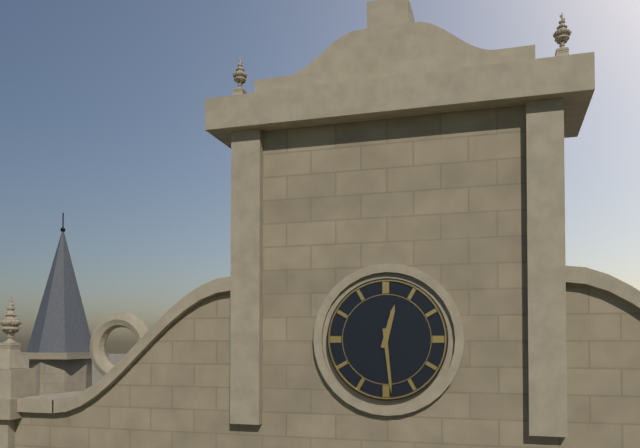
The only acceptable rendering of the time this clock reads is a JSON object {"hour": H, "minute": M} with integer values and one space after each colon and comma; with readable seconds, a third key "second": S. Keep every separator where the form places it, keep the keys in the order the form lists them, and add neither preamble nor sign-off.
{"hour": 12, "minute": 29}
